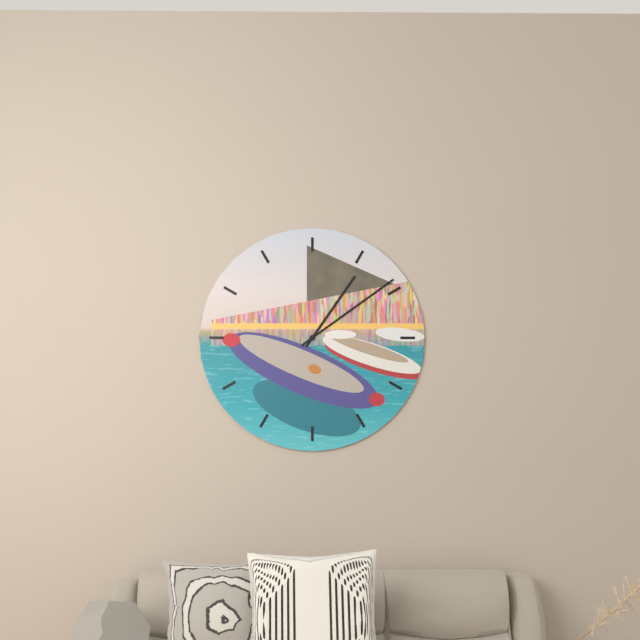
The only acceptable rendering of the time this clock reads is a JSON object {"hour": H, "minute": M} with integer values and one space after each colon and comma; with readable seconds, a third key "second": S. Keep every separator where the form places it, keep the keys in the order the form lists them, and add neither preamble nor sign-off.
{"hour": 1, "minute": 9}
